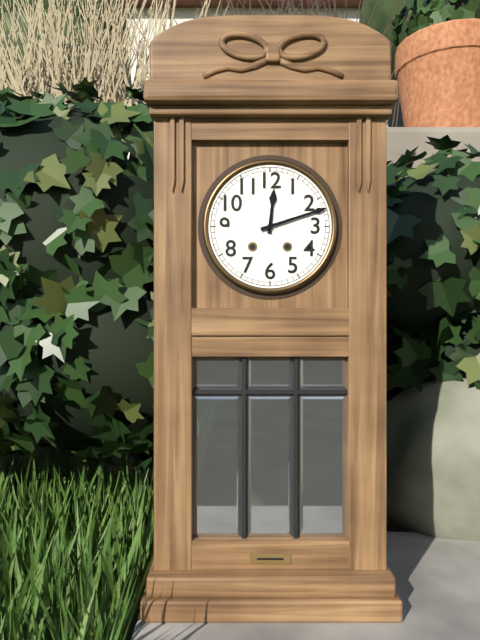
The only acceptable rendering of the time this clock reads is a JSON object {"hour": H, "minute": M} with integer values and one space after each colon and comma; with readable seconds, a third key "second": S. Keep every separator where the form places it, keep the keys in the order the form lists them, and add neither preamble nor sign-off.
{"hour": 12, "minute": 12}
